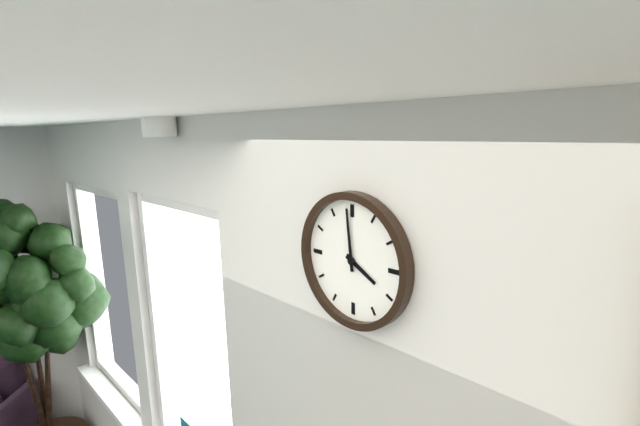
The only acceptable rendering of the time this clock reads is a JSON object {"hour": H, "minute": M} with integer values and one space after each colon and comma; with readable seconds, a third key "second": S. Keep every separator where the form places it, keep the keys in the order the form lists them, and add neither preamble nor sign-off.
{"hour": 3, "minute": 59}
